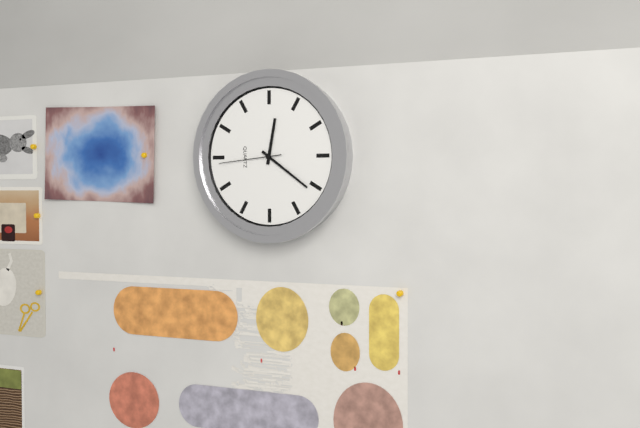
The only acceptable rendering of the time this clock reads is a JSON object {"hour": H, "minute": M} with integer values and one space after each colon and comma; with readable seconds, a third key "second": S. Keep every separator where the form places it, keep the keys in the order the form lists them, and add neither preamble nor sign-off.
{"hour": 12, "minute": 21, "second": 44}
